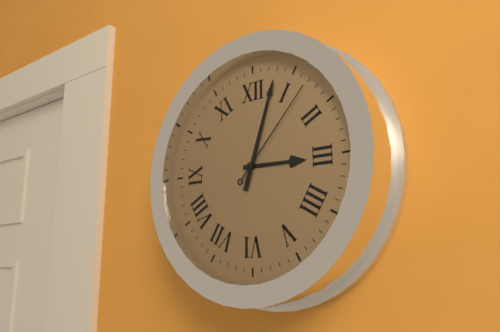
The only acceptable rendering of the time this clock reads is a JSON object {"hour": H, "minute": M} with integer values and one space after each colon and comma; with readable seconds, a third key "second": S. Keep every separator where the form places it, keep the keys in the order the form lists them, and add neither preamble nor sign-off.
{"hour": 3, "minute": 3, "second": 7}
